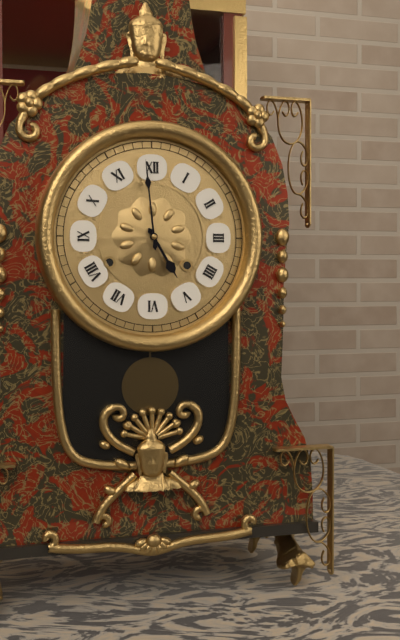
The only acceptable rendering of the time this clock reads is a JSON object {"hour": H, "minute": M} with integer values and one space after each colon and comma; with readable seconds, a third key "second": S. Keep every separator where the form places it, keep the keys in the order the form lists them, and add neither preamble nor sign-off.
{"hour": 4, "minute": 59}
